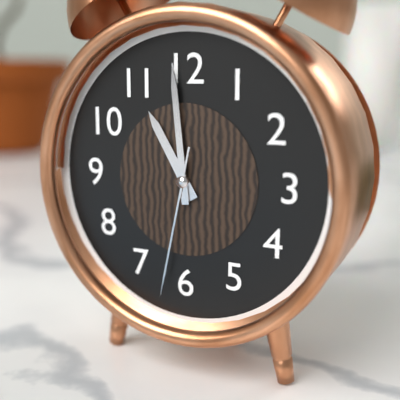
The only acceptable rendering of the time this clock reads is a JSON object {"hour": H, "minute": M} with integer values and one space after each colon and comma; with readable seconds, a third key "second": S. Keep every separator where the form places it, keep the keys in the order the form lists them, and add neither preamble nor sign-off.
{"hour": 10, "minute": 59, "second": 32}
